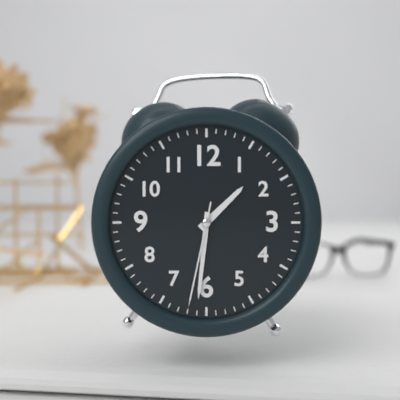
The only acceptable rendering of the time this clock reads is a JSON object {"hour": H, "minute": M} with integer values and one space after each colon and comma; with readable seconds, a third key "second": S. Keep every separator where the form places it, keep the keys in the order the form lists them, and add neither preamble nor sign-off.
{"hour": 1, "minute": 31, "second": 32}
